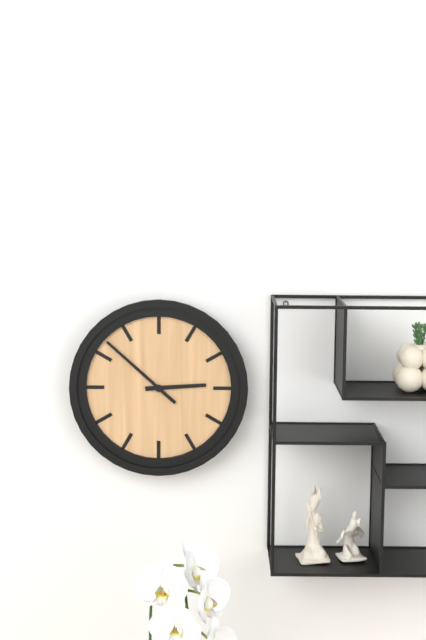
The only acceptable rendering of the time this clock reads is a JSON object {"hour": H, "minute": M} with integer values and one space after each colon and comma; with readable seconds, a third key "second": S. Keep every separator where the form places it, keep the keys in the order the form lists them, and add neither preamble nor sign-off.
{"hour": 2, "minute": 52}
